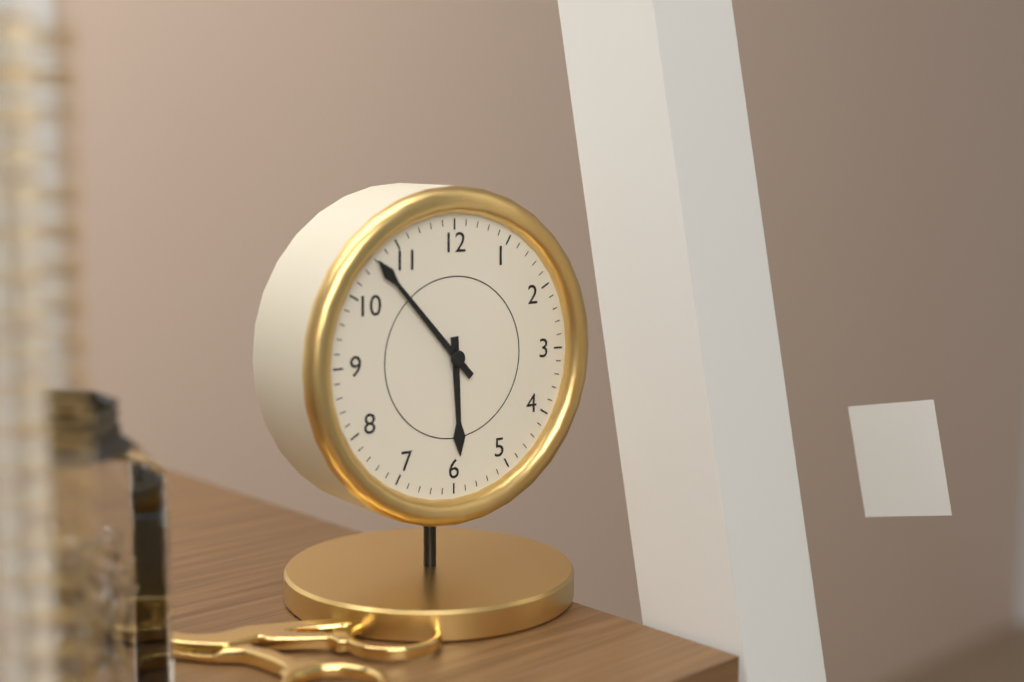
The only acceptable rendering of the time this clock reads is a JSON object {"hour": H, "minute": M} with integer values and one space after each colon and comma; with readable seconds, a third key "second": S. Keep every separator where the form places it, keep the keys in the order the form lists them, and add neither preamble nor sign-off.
{"hour": 5, "minute": 53}
